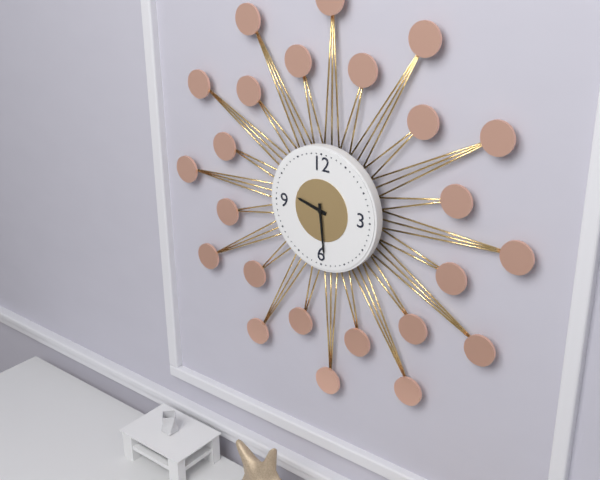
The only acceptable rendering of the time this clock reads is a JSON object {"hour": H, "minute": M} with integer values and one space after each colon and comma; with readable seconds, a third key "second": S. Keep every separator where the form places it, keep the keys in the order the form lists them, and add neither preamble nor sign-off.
{"hour": 9, "minute": 29}
